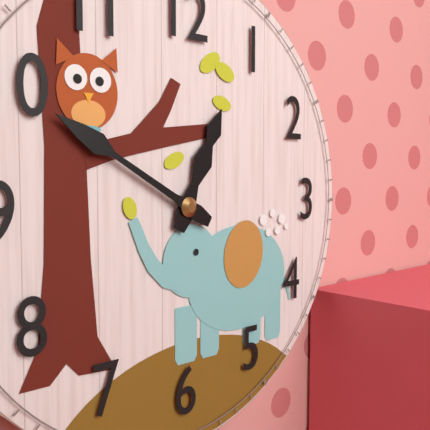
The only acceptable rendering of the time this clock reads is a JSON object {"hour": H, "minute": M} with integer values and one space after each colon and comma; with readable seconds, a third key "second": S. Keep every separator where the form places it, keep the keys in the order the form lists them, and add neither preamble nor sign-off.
{"hour": 12, "minute": 50}
